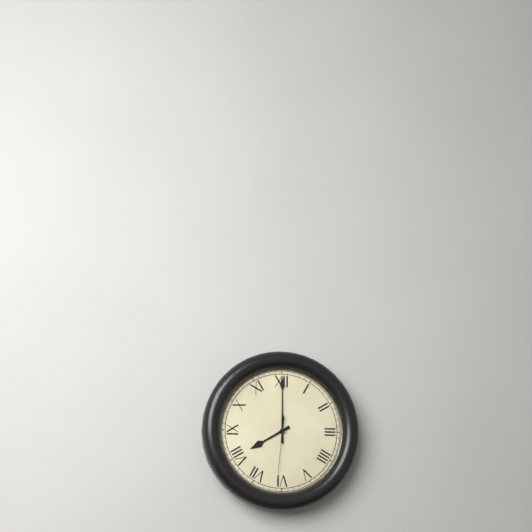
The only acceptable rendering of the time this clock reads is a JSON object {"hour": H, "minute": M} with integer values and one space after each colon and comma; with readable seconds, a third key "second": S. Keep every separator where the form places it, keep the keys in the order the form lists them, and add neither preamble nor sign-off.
{"hour": 8, "minute": 0, "second": 31}
